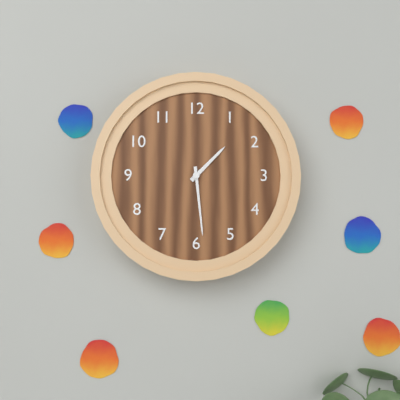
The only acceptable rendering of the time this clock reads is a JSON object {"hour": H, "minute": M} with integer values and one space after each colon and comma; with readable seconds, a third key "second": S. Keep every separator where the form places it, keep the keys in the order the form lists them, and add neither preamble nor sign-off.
{"hour": 1, "minute": 29}
